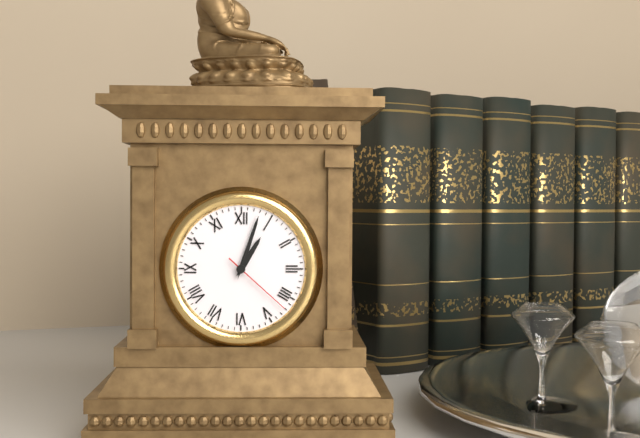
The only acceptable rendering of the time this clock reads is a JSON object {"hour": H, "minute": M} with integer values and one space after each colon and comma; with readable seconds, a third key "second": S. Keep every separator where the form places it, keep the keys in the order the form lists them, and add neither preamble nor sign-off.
{"hour": 1, "minute": 3, "second": 22}
